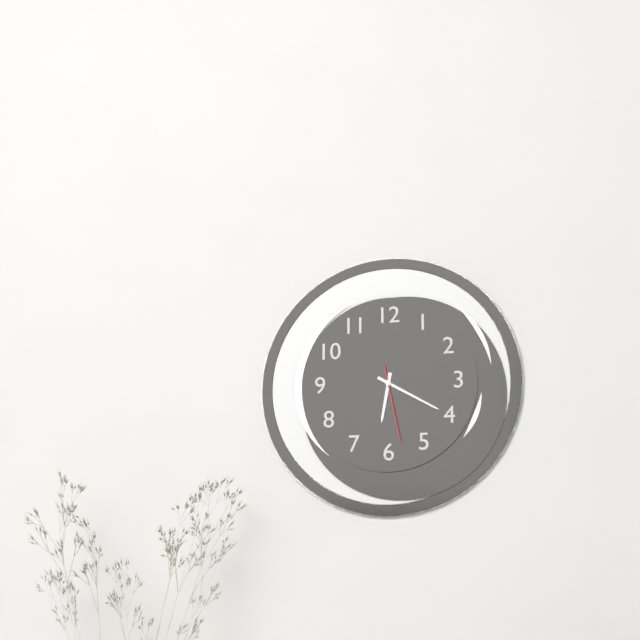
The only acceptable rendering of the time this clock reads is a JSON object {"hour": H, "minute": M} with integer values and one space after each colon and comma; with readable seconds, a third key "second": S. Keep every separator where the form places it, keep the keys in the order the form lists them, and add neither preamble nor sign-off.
{"hour": 6, "minute": 20, "second": 28}
